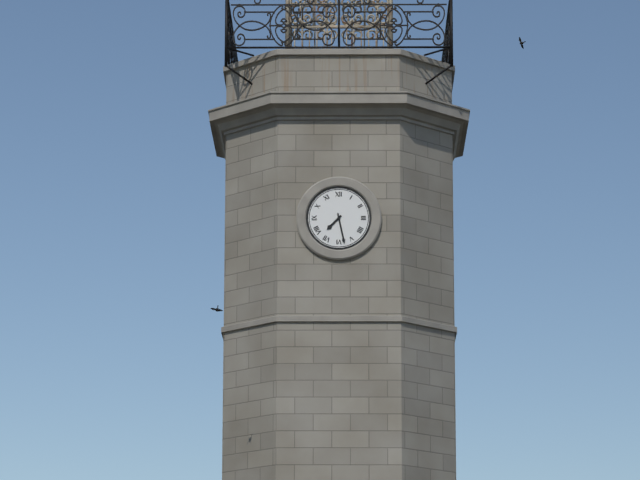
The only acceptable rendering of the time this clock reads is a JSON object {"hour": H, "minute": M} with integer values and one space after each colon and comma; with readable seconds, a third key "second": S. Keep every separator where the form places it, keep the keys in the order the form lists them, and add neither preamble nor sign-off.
{"hour": 7, "minute": 28}
